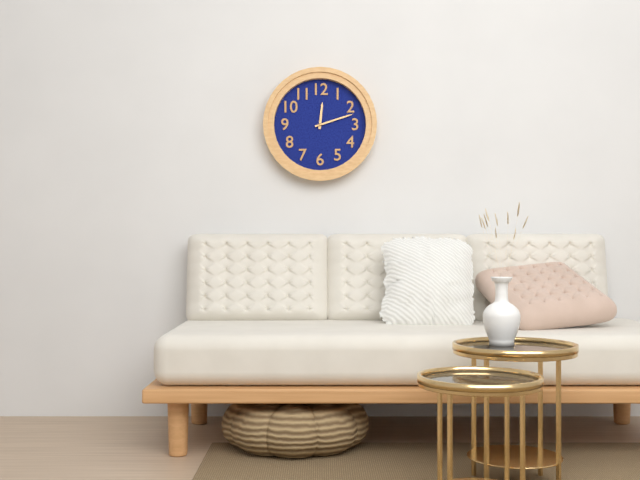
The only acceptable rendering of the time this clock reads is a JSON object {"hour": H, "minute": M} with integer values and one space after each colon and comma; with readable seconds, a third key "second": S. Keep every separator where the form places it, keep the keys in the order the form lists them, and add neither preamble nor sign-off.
{"hour": 12, "minute": 12}
